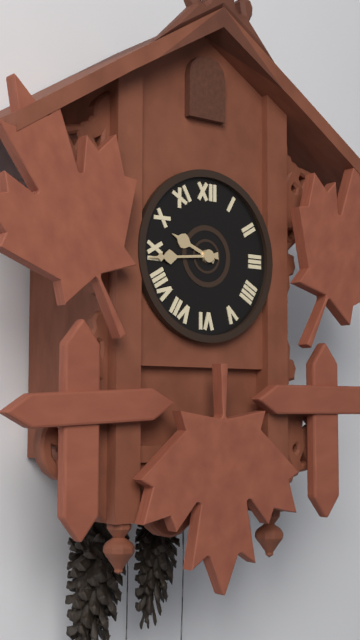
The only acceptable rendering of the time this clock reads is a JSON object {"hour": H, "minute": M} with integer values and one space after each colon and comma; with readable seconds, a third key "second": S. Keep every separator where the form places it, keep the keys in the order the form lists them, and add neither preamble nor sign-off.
{"hour": 9, "minute": 44}
